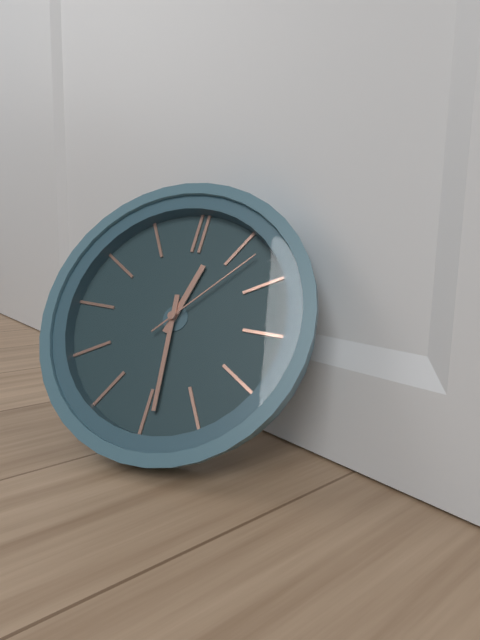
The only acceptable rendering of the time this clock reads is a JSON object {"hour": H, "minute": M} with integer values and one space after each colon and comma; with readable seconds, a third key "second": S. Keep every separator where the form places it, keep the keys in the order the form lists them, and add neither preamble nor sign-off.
{"hour": 12, "minute": 29, "second": 7}
